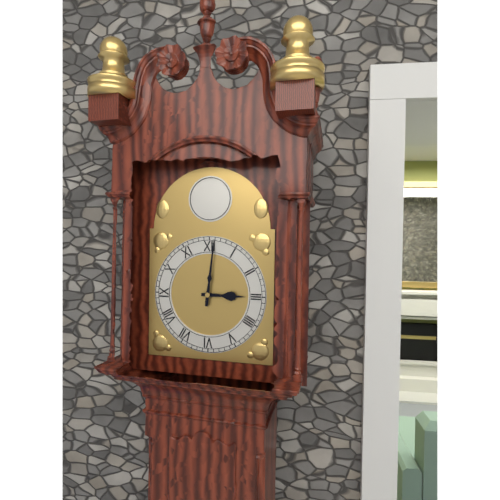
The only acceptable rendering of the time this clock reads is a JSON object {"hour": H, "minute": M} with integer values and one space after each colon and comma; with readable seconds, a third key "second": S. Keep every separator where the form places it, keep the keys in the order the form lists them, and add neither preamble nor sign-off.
{"hour": 3, "minute": 1}
